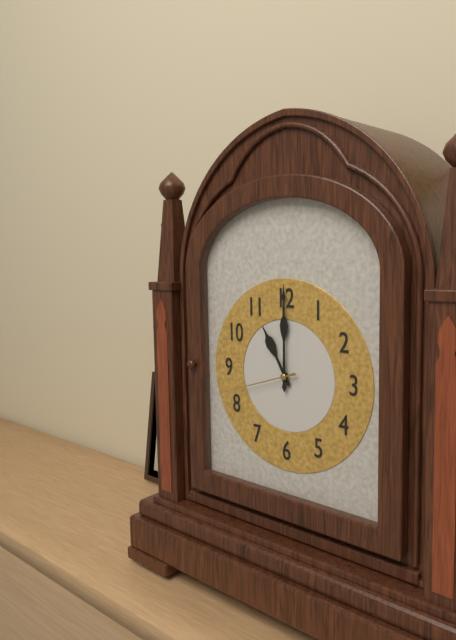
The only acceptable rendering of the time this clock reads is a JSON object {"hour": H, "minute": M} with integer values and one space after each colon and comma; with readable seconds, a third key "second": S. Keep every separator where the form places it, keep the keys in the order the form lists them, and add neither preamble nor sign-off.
{"hour": 11, "minute": 0, "second": 42}
